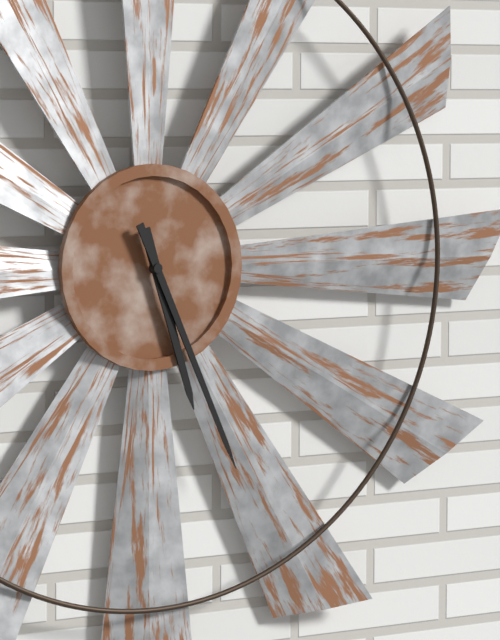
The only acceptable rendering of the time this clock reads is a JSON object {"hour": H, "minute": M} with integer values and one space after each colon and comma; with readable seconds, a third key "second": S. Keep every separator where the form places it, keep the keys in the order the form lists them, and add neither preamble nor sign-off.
{"hour": 5, "minute": 26}
